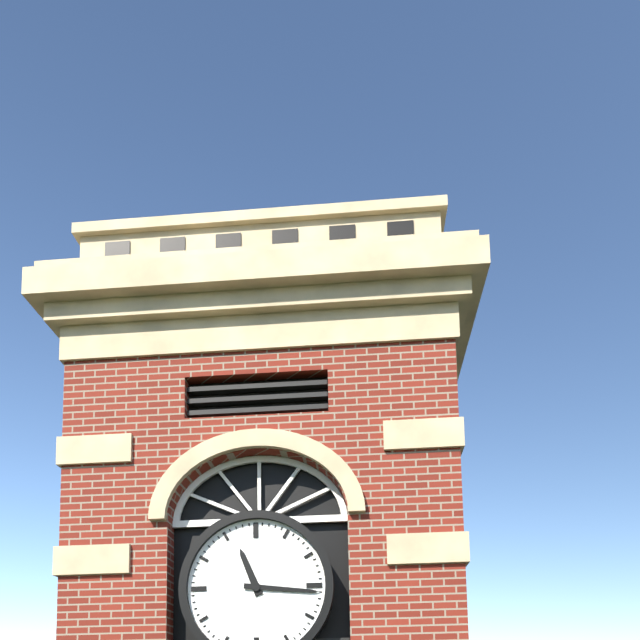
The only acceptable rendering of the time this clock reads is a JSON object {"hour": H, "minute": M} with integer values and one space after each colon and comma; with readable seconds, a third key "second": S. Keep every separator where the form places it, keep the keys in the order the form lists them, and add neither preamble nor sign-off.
{"hour": 11, "minute": 16}
